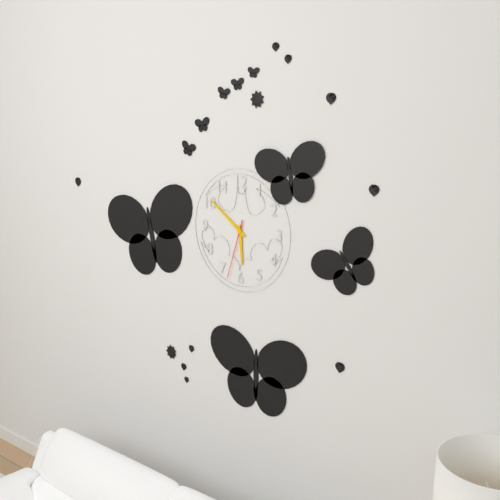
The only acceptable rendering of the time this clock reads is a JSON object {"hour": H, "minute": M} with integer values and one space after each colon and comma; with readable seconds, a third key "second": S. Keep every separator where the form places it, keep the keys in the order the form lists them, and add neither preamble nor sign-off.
{"hour": 5, "minute": 51, "second": 33}
